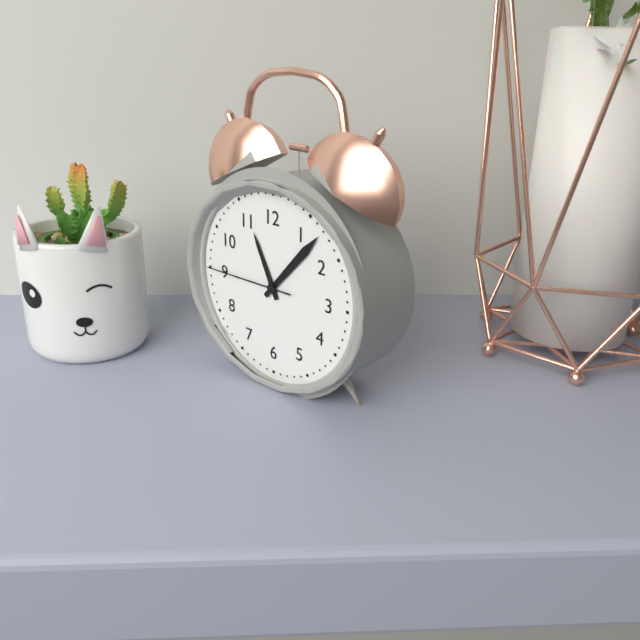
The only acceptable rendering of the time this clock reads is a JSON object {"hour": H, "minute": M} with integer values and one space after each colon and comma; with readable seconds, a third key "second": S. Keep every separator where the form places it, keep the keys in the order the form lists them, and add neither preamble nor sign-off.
{"hour": 11, "minute": 7, "second": 45}
